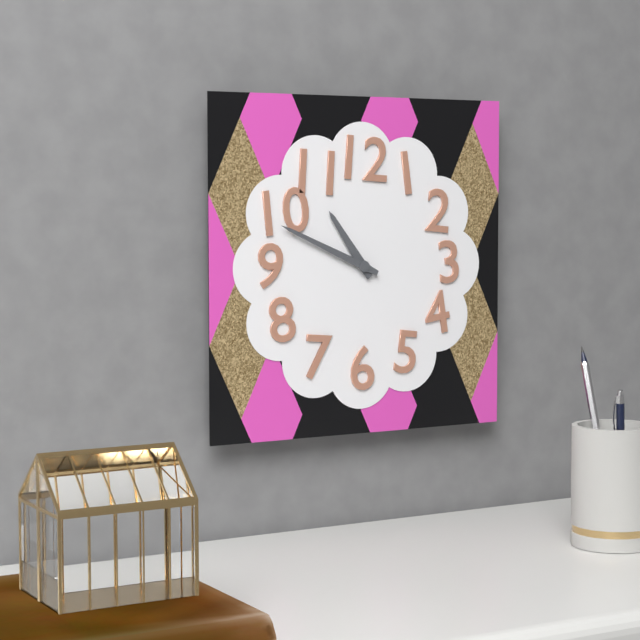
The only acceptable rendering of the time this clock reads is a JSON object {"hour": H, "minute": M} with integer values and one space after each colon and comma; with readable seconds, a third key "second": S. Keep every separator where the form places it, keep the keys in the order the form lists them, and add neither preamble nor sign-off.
{"hour": 10, "minute": 49}
